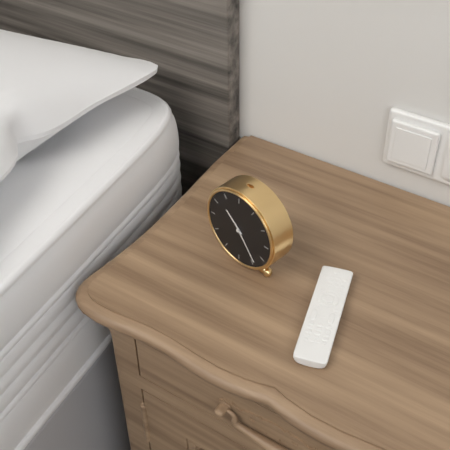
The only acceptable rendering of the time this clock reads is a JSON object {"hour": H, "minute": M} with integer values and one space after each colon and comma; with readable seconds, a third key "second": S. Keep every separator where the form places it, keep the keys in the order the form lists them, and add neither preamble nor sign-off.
{"hour": 10, "minute": 24}
